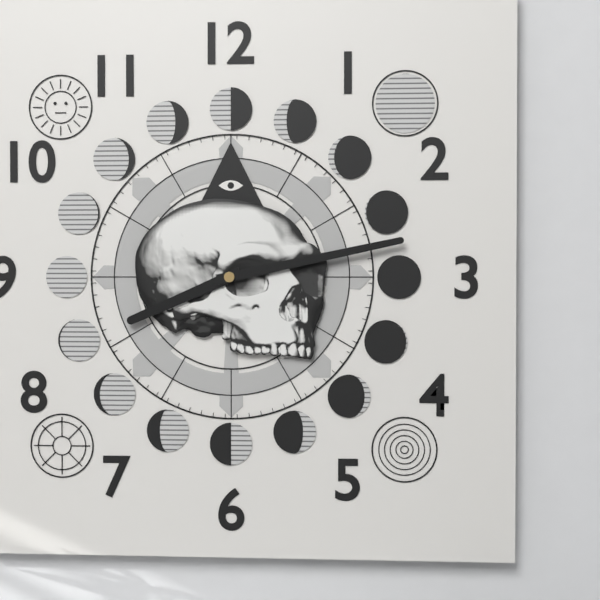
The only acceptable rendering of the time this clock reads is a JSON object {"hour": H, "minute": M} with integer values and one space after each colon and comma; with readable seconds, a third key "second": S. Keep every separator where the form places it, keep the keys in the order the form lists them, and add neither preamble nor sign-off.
{"hour": 8, "minute": 13}
